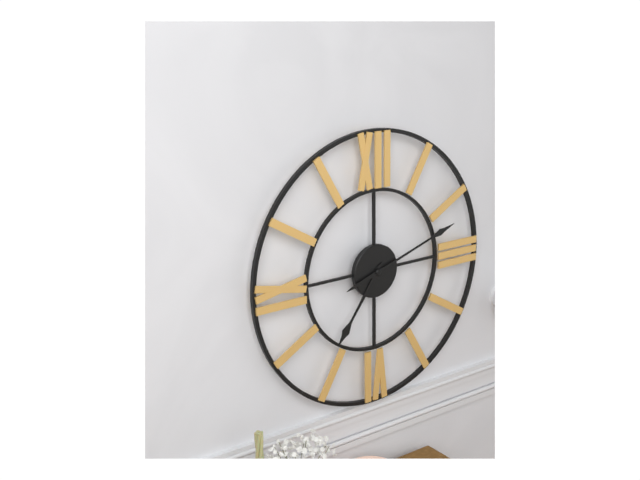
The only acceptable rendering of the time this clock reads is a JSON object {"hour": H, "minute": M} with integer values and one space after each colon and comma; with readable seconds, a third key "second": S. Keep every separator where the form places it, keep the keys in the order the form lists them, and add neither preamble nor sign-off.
{"hour": 7, "minute": 12}
